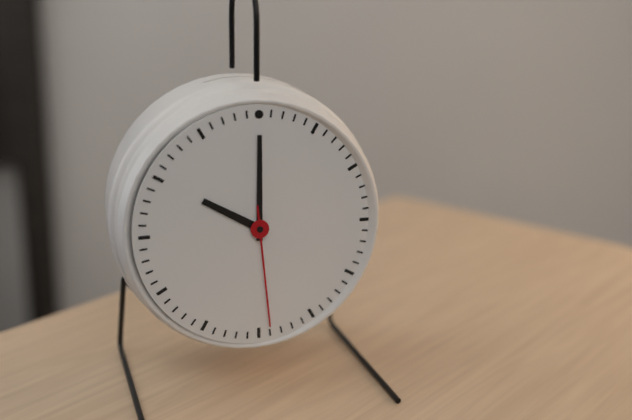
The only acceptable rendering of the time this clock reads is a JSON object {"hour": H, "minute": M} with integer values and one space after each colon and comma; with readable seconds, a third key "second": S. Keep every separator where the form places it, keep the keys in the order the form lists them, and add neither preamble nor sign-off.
{"hour": 10, "minute": 0, "second": 29}
